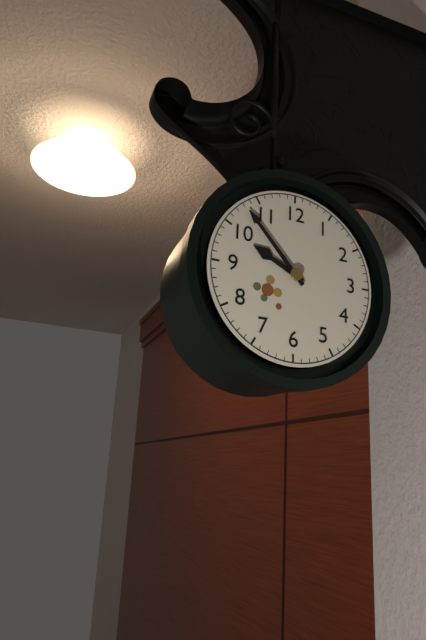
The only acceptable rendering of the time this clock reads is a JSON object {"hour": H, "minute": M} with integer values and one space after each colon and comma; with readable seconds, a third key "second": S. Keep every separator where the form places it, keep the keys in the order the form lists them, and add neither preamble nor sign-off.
{"hour": 9, "minute": 53}
